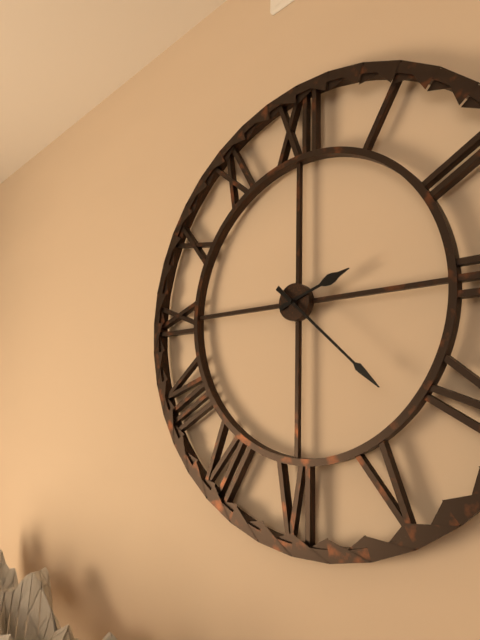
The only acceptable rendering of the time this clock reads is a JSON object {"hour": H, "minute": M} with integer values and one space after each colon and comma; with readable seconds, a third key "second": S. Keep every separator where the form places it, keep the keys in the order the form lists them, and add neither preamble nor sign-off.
{"hour": 2, "minute": 22}
